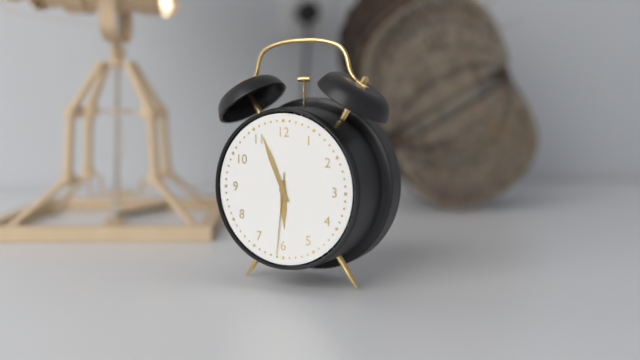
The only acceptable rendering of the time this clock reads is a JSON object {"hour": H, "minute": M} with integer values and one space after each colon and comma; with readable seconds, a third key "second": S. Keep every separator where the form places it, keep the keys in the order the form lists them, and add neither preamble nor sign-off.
{"hour": 5, "minute": 56, "second": 31}
